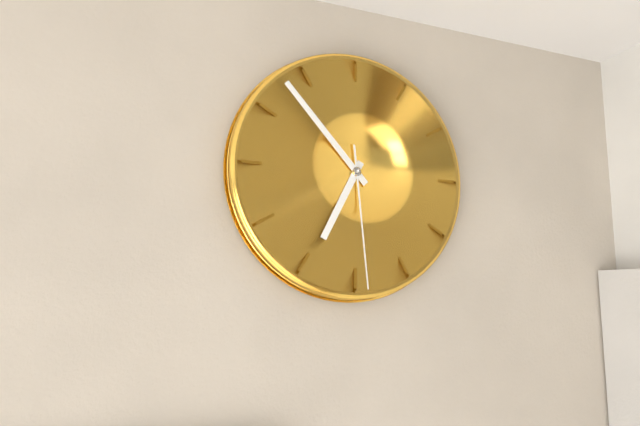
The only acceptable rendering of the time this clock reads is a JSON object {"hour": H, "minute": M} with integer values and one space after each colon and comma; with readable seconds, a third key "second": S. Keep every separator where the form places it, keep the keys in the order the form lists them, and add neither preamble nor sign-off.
{"hour": 6, "minute": 53, "second": 29}
